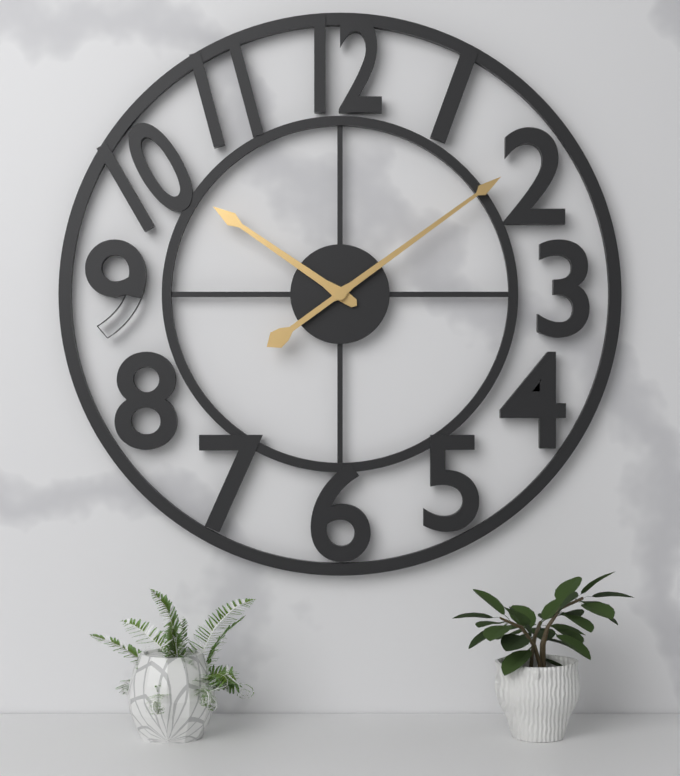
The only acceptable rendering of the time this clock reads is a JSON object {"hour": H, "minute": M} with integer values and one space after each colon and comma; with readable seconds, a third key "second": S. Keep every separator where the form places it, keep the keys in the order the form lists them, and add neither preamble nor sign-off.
{"hour": 10, "minute": 9}
